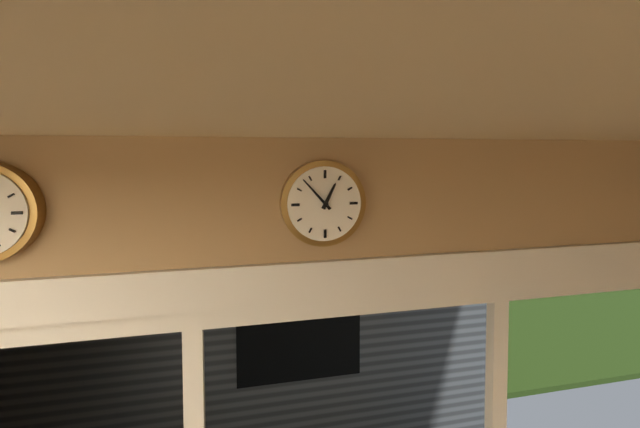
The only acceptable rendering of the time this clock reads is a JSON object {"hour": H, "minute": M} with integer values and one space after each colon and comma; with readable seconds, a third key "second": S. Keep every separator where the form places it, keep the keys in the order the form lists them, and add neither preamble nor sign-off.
{"hour": 12, "minute": 53}
